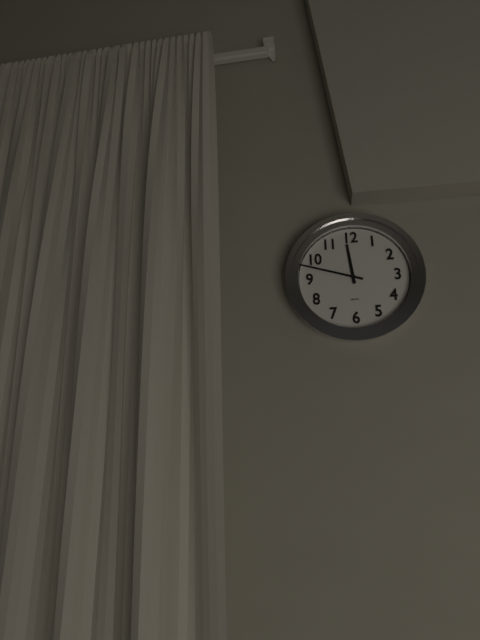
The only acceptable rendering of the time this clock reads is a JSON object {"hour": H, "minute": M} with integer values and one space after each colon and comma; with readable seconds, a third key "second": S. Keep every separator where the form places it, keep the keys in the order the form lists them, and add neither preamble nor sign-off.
{"hour": 11, "minute": 48}
